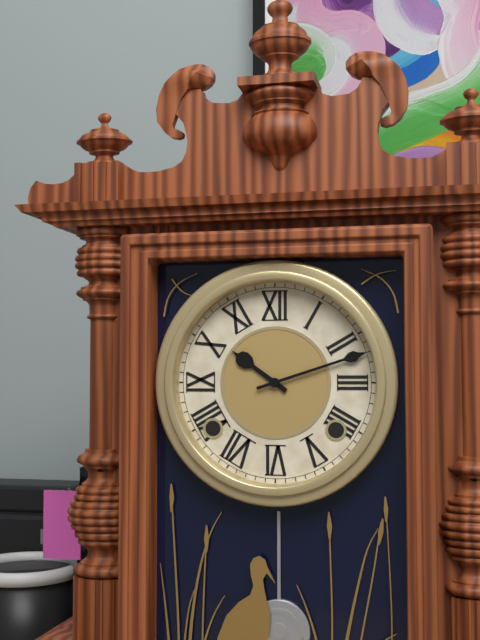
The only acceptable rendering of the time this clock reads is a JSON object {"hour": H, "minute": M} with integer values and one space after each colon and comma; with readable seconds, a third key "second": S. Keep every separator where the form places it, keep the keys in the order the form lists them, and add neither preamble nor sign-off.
{"hour": 10, "minute": 12}
